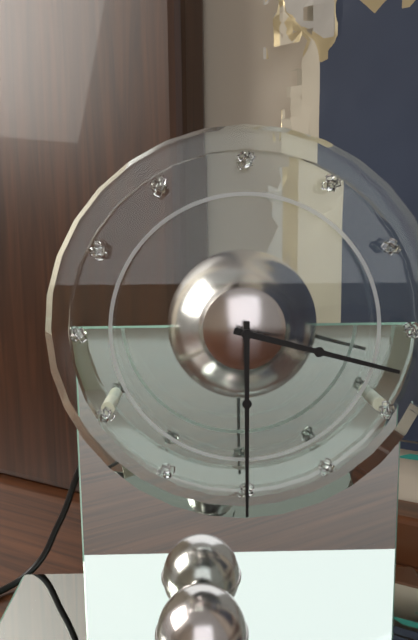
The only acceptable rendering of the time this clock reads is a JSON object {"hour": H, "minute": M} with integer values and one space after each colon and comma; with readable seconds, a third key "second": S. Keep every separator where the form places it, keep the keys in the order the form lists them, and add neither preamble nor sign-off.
{"hour": 3, "minute": 30}
